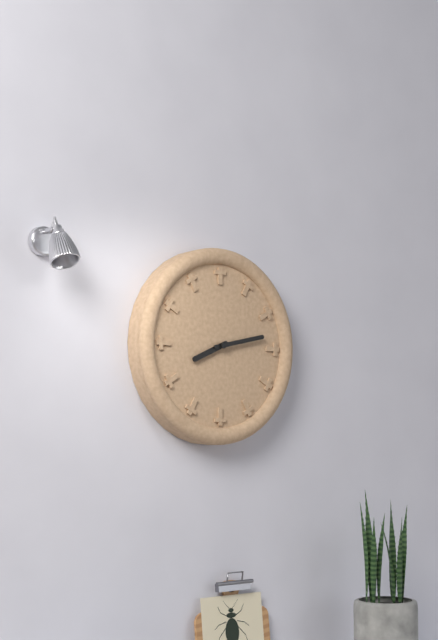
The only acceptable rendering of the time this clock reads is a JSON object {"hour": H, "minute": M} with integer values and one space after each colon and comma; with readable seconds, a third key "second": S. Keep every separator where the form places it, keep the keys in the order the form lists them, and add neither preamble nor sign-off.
{"hour": 8, "minute": 13}
